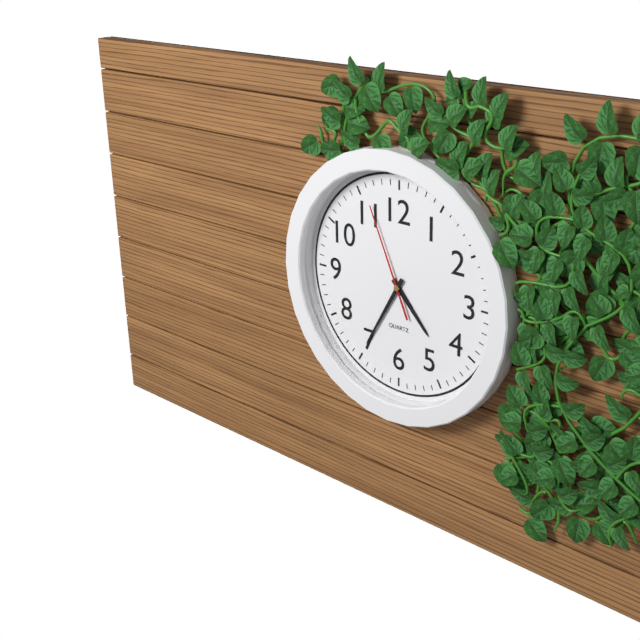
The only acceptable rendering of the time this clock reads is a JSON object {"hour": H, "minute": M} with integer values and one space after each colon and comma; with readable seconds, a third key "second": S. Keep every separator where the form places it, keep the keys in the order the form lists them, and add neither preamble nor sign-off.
{"hour": 4, "minute": 35, "second": 56}
